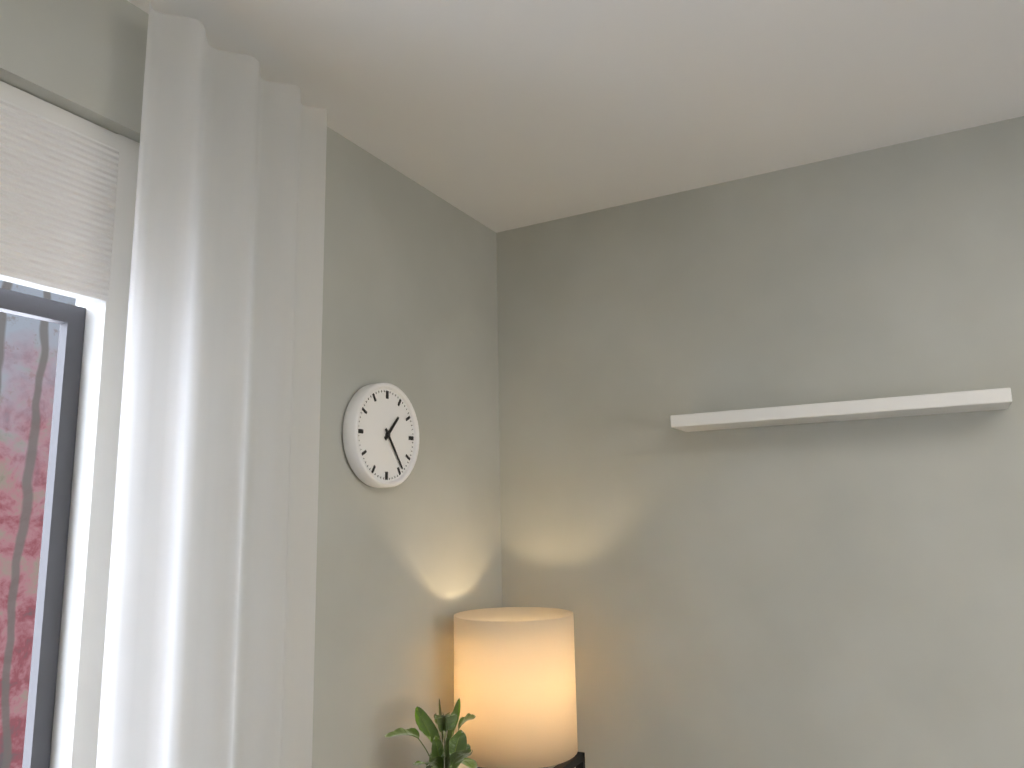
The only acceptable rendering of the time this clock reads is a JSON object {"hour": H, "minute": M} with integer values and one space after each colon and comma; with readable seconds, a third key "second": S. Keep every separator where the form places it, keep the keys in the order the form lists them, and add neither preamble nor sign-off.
{"hour": 1, "minute": 24}
